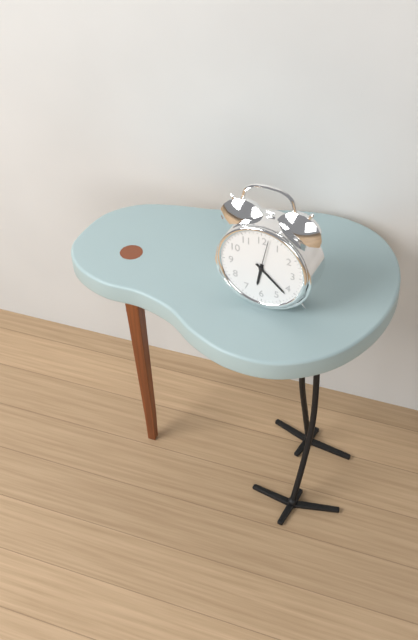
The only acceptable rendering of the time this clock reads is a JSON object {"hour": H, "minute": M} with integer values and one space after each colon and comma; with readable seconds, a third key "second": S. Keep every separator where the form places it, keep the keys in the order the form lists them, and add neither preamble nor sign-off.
{"hour": 6, "minute": 22}
